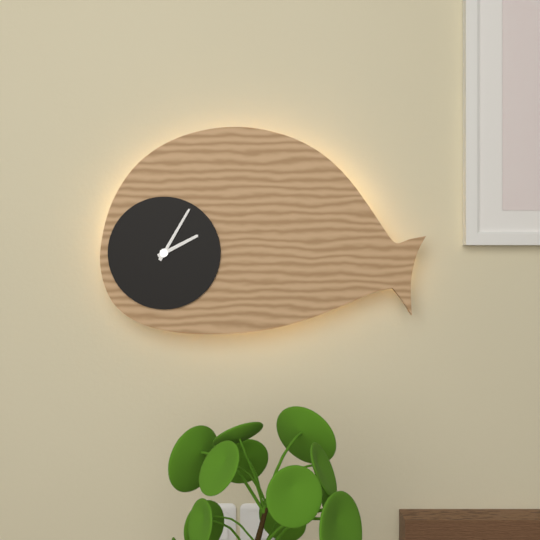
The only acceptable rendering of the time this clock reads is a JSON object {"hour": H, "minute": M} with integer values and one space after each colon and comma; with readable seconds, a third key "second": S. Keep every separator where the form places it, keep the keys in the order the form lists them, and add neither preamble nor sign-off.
{"hour": 2, "minute": 5}
